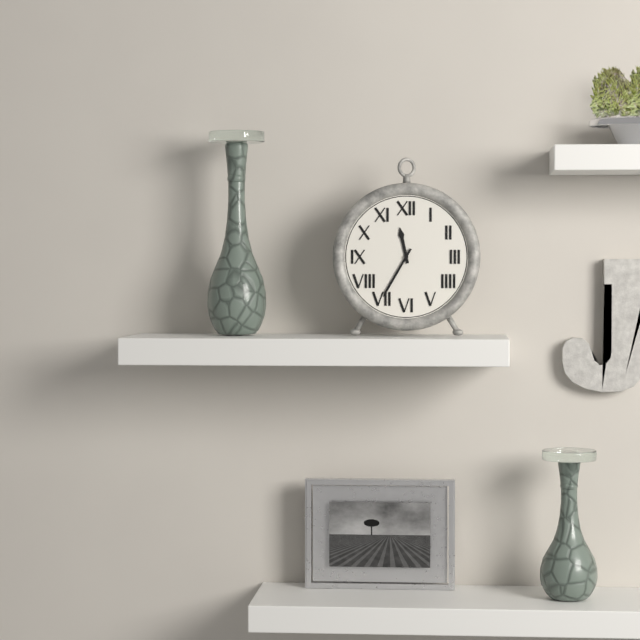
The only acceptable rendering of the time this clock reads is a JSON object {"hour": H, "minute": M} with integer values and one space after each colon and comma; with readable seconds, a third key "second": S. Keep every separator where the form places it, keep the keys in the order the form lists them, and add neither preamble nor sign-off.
{"hour": 11, "minute": 35}
